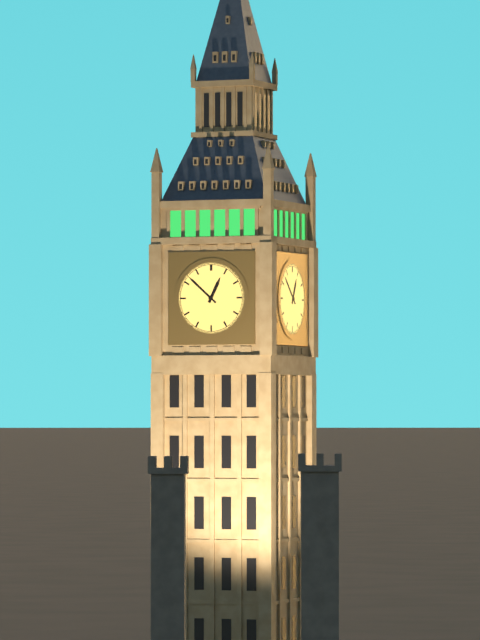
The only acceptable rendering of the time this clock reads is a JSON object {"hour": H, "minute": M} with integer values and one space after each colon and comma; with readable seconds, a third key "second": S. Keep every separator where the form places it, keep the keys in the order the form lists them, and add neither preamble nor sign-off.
{"hour": 12, "minute": 52}
